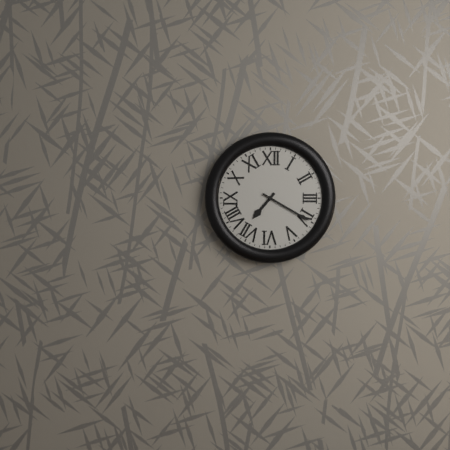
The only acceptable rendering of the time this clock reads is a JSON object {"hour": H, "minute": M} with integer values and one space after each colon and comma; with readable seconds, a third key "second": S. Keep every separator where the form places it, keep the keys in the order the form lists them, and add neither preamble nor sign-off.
{"hour": 7, "minute": 20}
